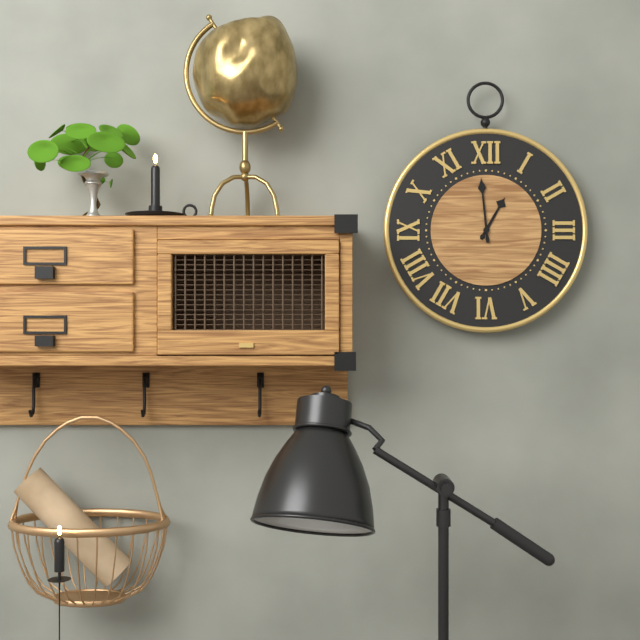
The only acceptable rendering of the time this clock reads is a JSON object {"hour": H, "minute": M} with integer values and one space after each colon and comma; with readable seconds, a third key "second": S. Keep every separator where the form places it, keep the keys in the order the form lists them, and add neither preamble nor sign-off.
{"hour": 12, "minute": 59}
